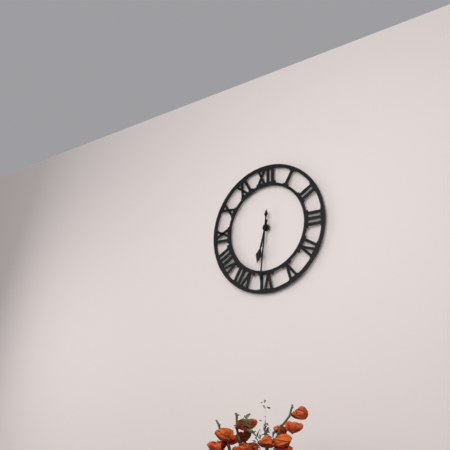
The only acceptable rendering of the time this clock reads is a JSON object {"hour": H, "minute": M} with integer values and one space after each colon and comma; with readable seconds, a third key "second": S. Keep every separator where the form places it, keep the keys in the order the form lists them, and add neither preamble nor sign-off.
{"hour": 6, "minute": 31}
